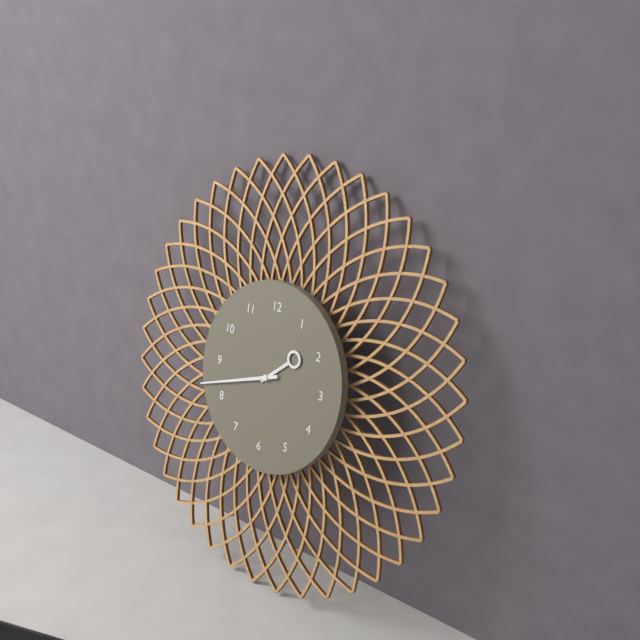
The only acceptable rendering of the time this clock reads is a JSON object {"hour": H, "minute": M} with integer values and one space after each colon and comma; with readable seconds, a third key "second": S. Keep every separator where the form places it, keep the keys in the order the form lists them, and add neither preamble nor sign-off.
{"hour": 1, "minute": 42}
